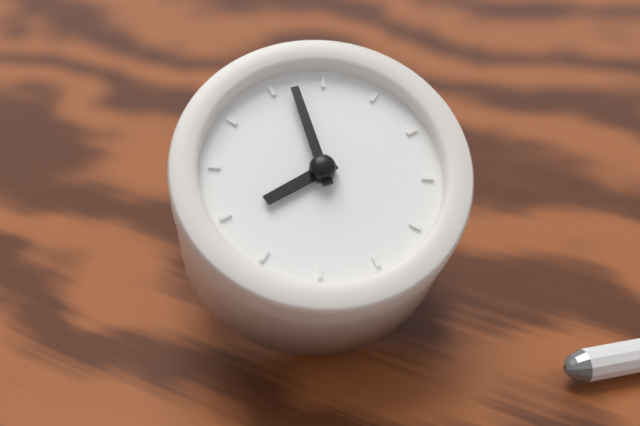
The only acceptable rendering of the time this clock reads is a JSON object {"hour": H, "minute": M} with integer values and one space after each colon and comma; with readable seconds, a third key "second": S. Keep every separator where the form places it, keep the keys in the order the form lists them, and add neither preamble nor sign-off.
{"hour": 6, "minute": 52}
